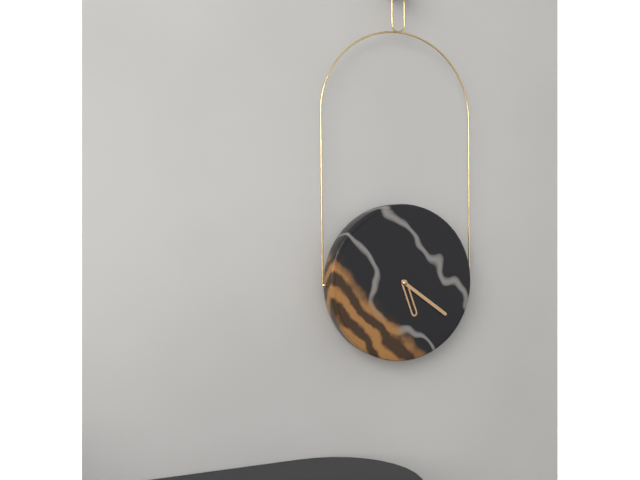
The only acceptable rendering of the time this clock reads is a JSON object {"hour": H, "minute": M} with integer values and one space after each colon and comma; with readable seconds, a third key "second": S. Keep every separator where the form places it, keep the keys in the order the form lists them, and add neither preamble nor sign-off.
{"hour": 5, "minute": 21}
